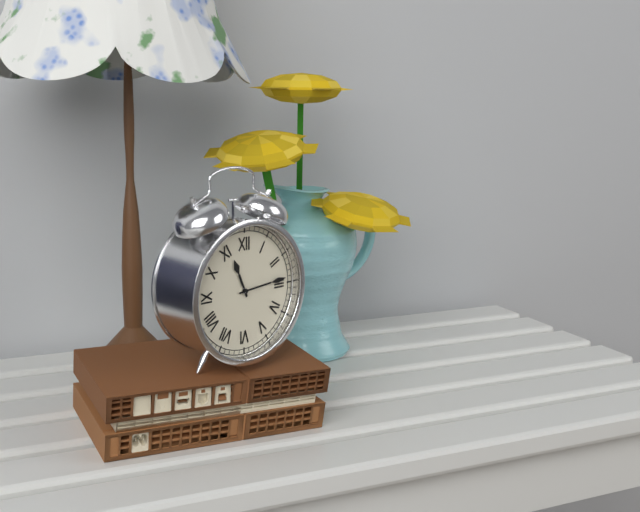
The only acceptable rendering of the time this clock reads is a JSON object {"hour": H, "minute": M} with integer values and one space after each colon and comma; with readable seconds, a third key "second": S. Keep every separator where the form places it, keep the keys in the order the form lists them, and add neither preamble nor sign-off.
{"hour": 11, "minute": 14}
